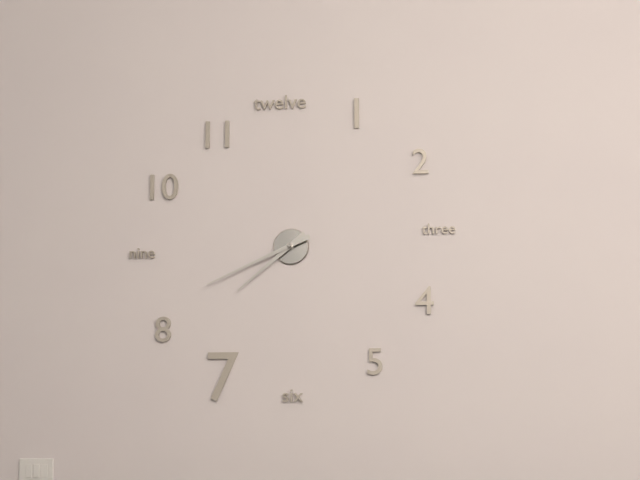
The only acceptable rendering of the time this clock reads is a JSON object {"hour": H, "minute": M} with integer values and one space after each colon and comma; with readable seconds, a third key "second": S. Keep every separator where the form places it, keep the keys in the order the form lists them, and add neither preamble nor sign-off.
{"hour": 7, "minute": 41}
